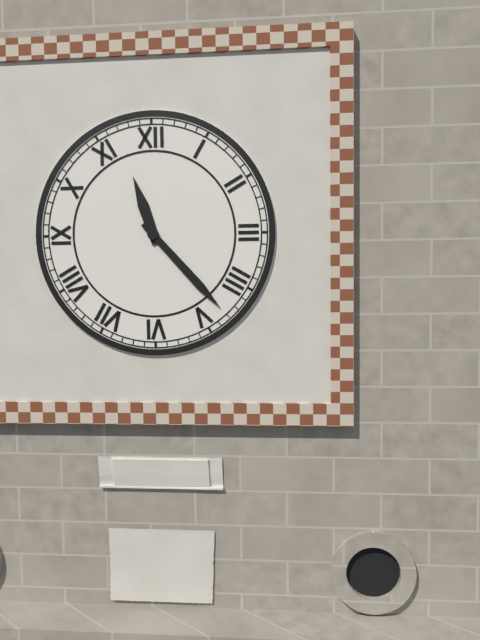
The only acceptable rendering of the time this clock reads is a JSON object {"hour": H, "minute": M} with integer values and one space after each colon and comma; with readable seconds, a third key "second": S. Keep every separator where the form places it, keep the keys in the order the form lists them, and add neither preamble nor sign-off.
{"hour": 11, "minute": 23}
